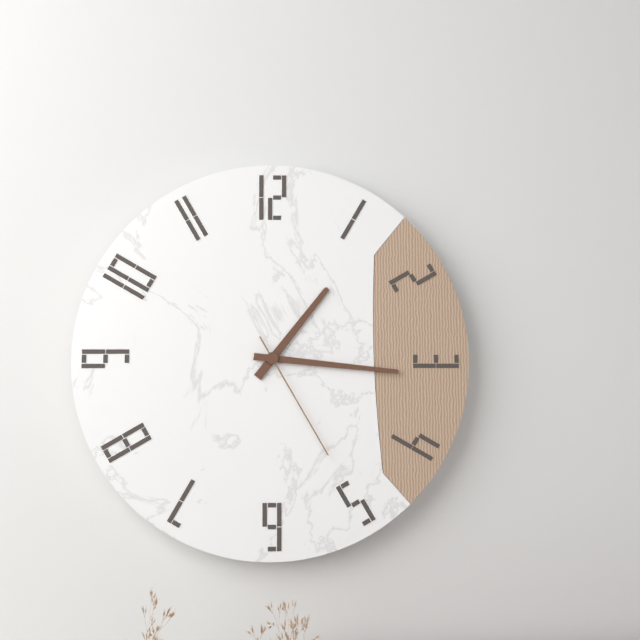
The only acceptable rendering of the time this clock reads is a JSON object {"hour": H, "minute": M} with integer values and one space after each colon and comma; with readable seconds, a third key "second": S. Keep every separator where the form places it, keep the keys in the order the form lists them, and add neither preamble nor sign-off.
{"hour": 1, "minute": 16, "second": 25}
